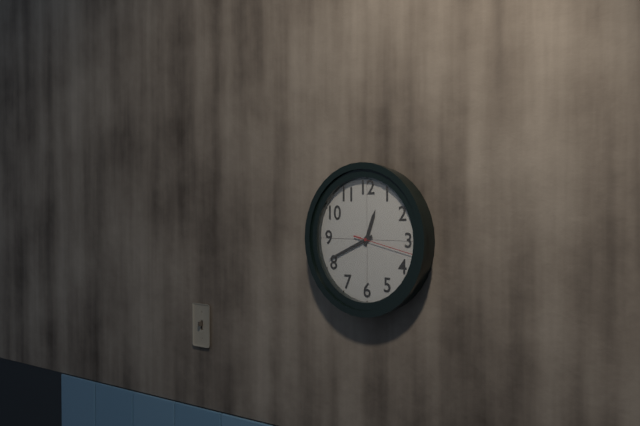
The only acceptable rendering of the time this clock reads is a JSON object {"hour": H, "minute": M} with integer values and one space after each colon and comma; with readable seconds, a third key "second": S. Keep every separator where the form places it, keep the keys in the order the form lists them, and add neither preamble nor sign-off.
{"hour": 12, "minute": 41, "second": 17}
